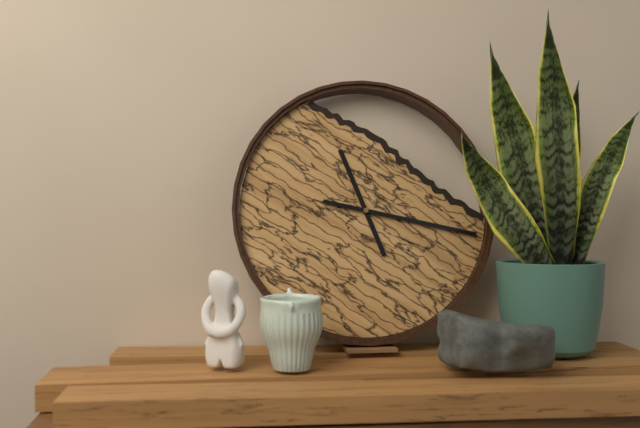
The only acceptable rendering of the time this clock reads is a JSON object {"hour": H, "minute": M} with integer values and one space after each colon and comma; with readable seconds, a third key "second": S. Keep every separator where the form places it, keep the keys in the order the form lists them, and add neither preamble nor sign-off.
{"hour": 11, "minute": 17}
